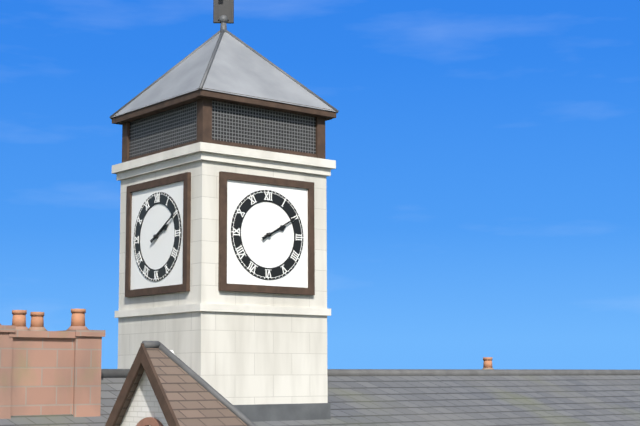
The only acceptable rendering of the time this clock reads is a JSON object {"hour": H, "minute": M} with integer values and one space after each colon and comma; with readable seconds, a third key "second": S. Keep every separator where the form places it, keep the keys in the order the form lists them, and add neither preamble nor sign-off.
{"hour": 2, "minute": 10}
